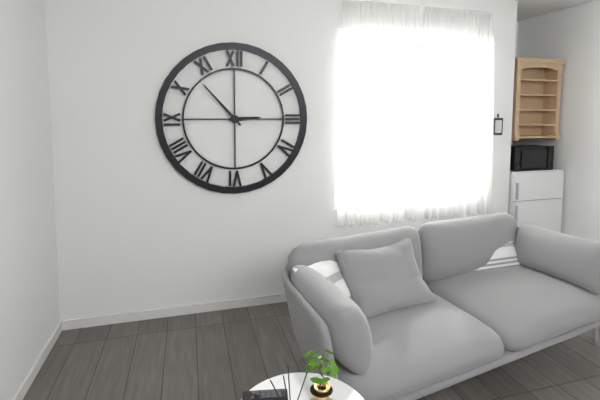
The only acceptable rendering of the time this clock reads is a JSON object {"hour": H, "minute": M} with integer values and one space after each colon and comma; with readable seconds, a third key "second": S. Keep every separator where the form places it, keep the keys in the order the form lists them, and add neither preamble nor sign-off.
{"hour": 2, "minute": 53}
